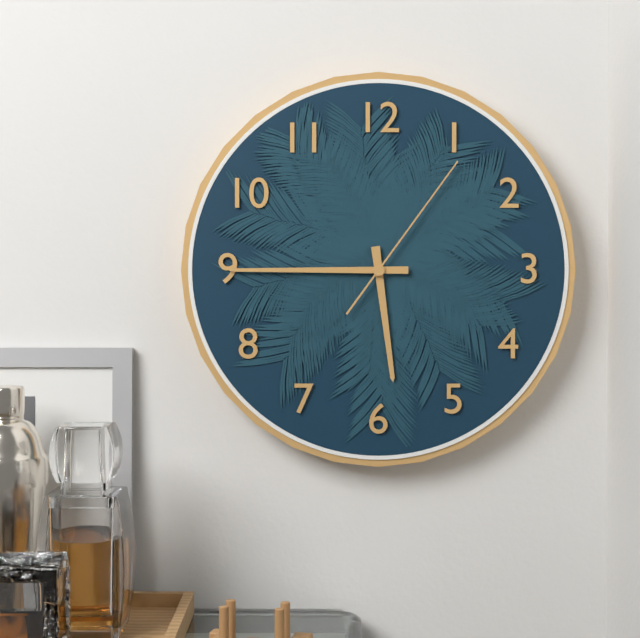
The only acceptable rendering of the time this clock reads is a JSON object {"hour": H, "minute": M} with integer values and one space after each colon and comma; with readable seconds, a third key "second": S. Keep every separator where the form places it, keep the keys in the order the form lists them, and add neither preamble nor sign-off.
{"hour": 5, "minute": 45, "second": 6}
